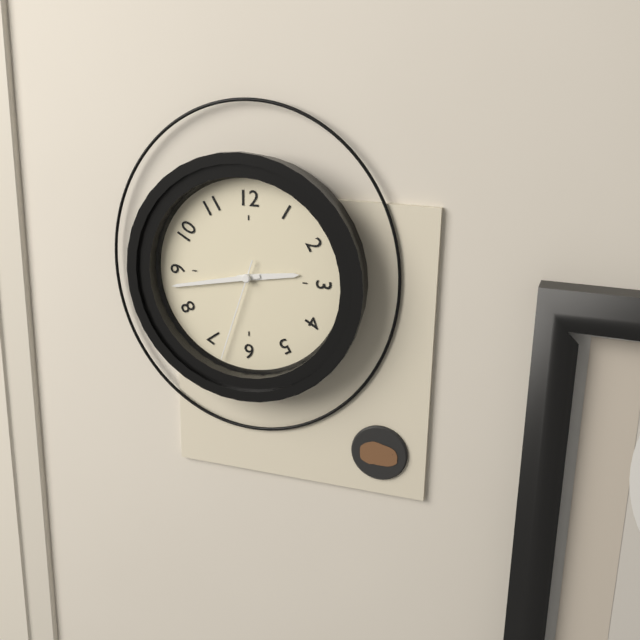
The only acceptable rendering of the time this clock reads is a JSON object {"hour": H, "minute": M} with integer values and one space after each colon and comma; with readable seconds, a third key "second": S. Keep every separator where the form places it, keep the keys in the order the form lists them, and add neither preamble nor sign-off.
{"hour": 2, "minute": 43, "second": 33}
